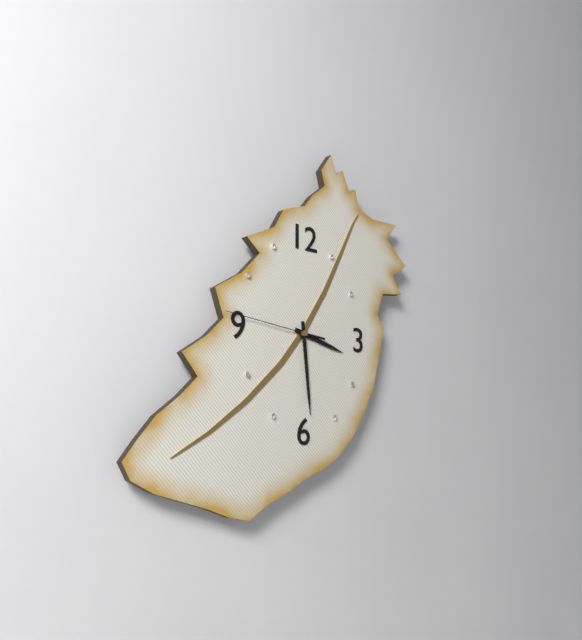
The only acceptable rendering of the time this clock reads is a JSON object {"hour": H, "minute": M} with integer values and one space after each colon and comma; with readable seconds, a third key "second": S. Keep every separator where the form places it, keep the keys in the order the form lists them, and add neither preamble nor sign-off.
{"hour": 3, "minute": 29, "second": 46}
